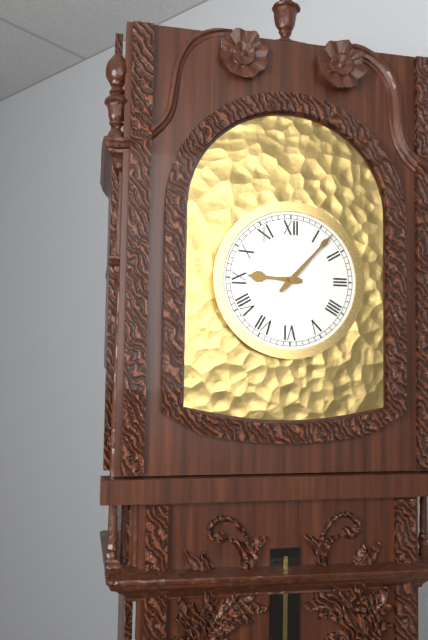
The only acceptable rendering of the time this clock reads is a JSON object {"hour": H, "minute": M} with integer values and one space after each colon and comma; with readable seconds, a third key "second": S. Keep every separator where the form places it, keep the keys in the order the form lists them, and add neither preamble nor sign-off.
{"hour": 9, "minute": 7}
